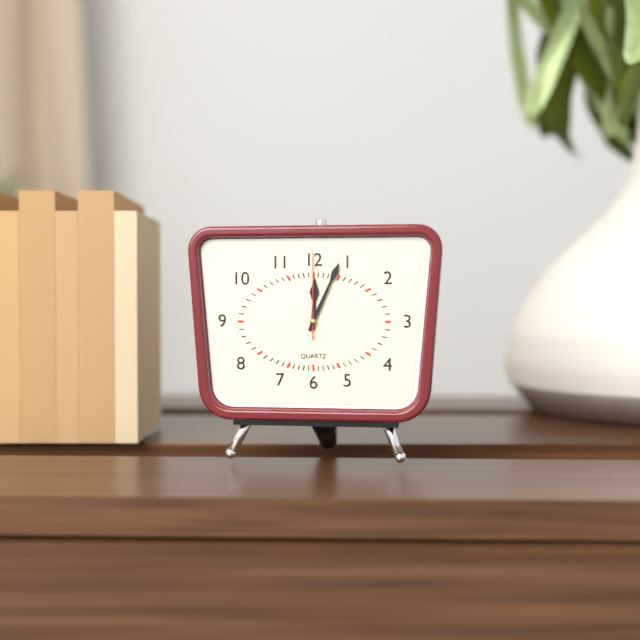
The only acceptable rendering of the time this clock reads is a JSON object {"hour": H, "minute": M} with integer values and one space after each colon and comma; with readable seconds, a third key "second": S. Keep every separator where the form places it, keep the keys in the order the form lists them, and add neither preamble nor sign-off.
{"hour": 12, "minute": 4, "second": 0}
